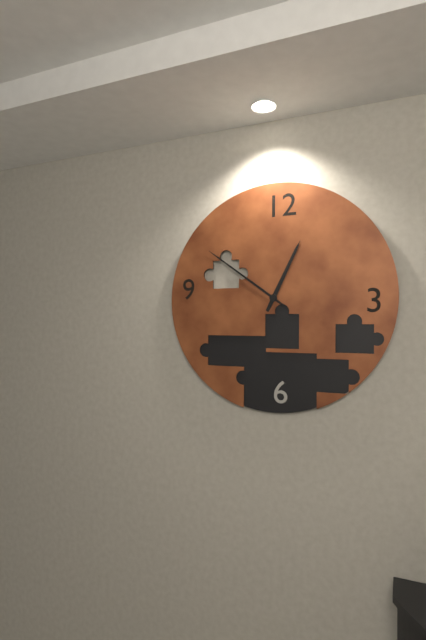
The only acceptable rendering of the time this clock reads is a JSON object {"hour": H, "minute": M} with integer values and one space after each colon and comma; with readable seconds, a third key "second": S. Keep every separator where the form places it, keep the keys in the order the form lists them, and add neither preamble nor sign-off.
{"hour": 12, "minute": 51}
